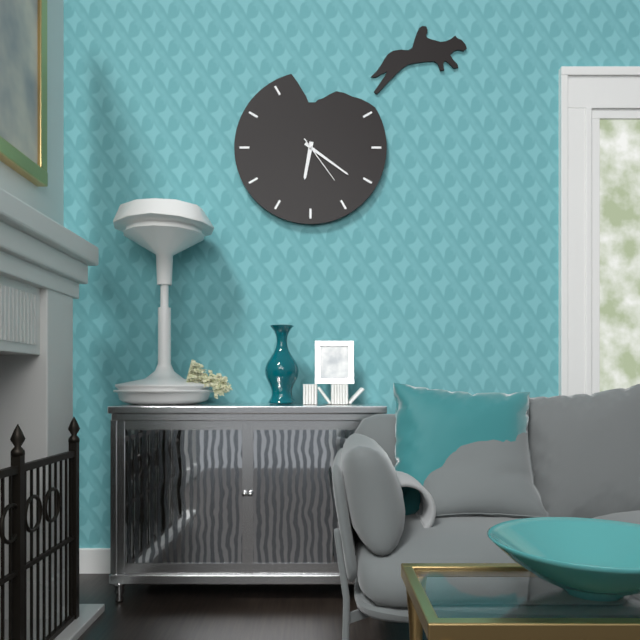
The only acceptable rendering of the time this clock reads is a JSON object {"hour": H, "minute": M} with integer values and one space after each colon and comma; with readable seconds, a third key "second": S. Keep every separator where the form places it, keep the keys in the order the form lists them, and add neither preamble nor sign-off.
{"hour": 6, "minute": 21, "second": 24}
